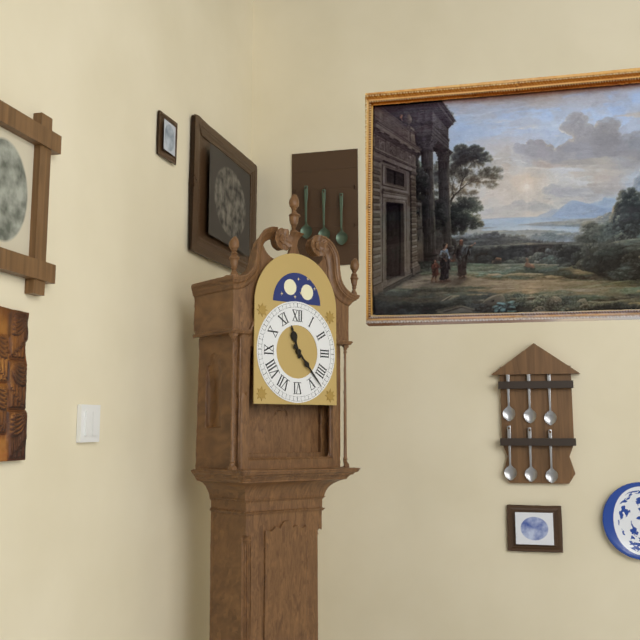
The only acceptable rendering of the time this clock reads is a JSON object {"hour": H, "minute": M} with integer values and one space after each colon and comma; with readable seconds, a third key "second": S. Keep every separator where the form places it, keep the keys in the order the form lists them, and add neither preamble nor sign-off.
{"hour": 11, "minute": 23}
